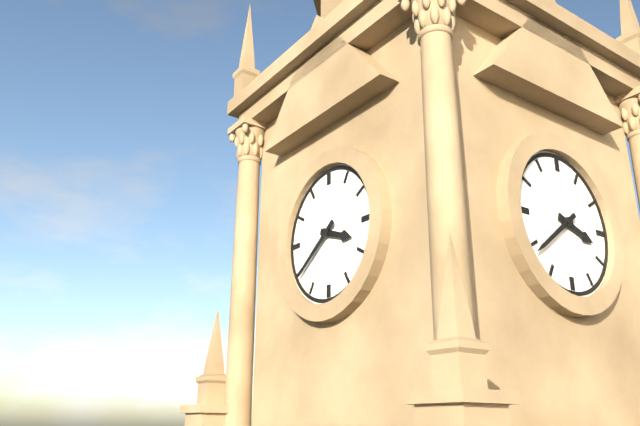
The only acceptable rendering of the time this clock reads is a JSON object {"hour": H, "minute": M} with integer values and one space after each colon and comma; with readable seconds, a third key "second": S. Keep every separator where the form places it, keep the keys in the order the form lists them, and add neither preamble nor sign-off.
{"hour": 3, "minute": 39}
